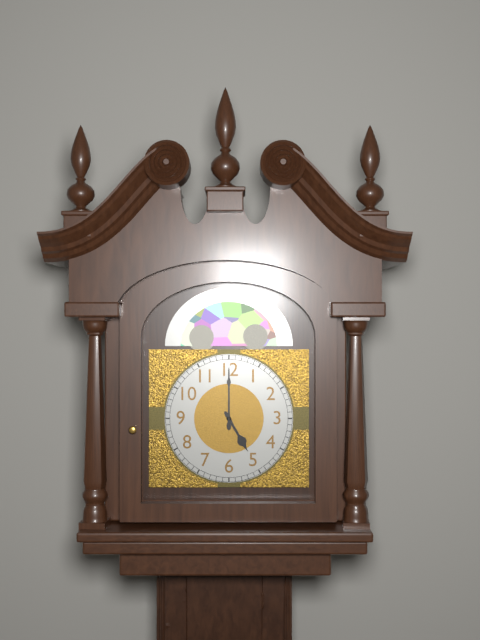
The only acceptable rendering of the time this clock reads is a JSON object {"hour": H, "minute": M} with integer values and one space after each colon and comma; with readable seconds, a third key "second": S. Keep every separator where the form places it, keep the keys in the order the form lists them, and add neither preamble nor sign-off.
{"hour": 5, "minute": 0}
